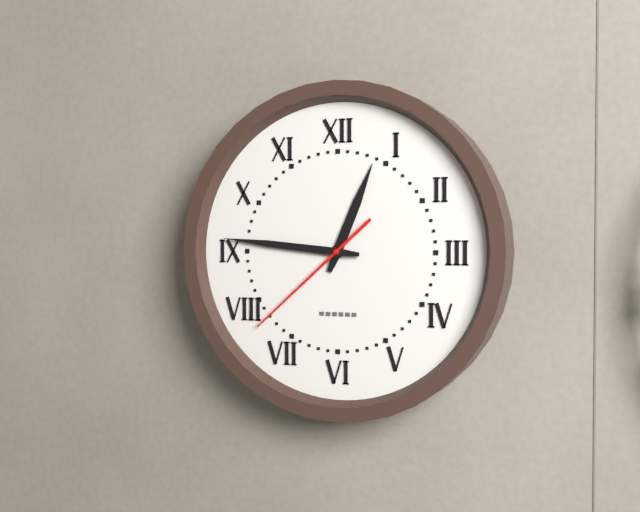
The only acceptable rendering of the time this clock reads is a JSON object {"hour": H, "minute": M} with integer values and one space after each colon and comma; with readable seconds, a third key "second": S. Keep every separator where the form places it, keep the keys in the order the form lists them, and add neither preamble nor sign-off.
{"hour": 12, "minute": 46, "second": 38}
